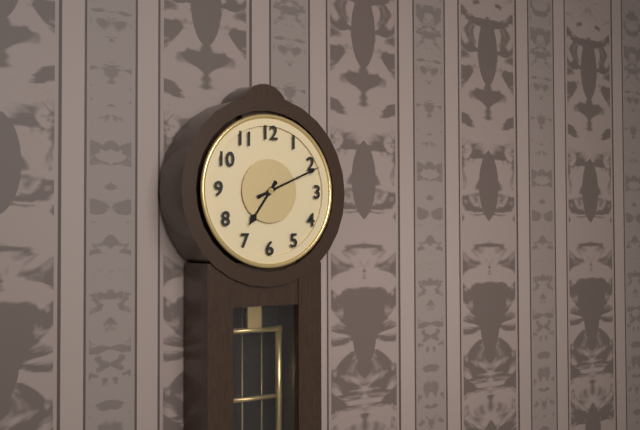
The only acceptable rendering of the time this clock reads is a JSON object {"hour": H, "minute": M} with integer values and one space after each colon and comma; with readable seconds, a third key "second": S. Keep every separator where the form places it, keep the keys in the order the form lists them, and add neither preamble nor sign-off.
{"hour": 7, "minute": 11}
